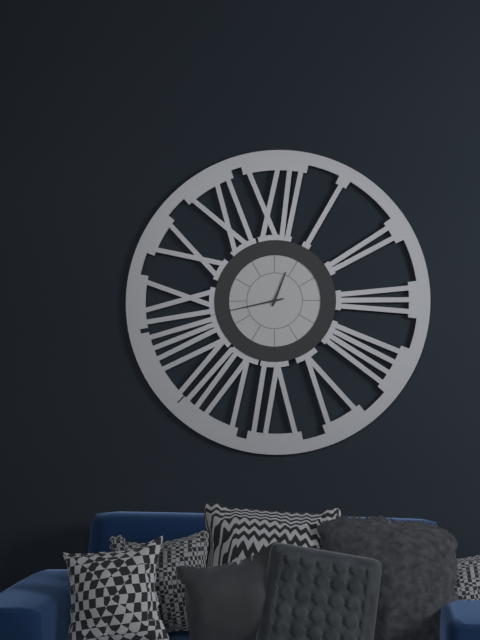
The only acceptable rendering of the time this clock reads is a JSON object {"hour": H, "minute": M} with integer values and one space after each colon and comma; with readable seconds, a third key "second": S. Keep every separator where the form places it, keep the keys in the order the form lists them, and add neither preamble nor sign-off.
{"hour": 12, "minute": 43}
